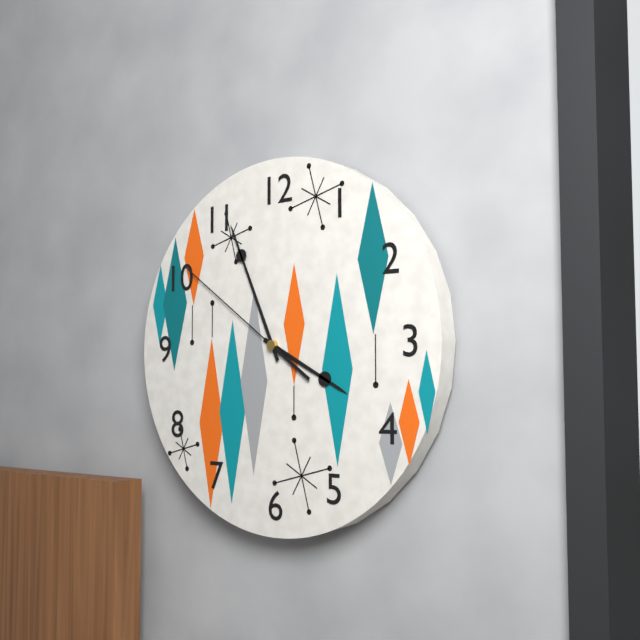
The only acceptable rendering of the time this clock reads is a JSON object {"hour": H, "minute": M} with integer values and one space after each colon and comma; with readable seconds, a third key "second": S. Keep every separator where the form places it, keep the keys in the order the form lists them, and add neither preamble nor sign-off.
{"hour": 3, "minute": 56, "second": 51}
